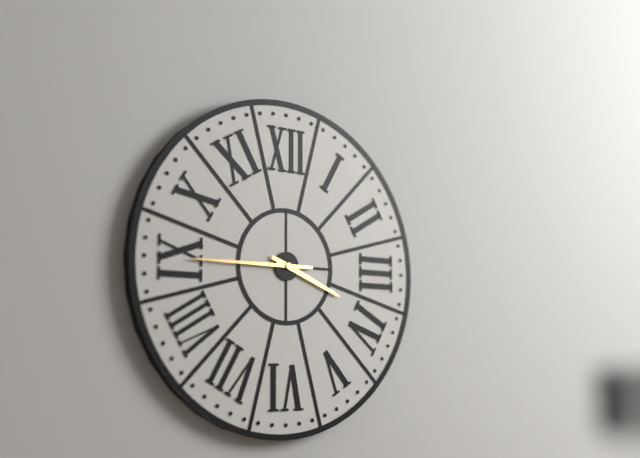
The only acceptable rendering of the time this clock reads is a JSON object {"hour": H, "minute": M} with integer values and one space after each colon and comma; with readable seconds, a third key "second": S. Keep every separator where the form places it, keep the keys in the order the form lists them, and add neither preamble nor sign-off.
{"hour": 3, "minute": 45}
